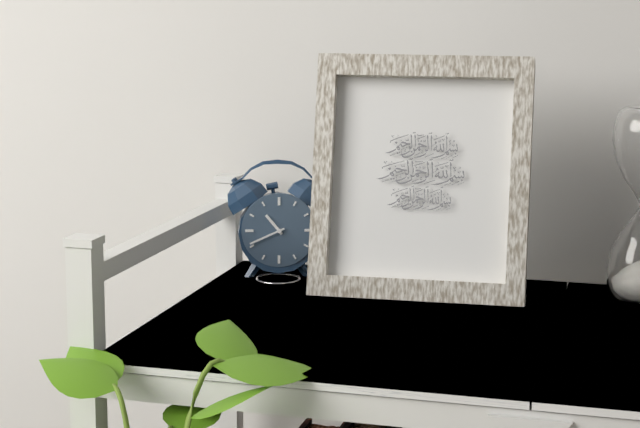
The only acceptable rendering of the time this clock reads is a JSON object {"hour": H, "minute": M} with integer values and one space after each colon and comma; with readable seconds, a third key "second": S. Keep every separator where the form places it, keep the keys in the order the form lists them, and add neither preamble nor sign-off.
{"hour": 10, "minute": 41}
